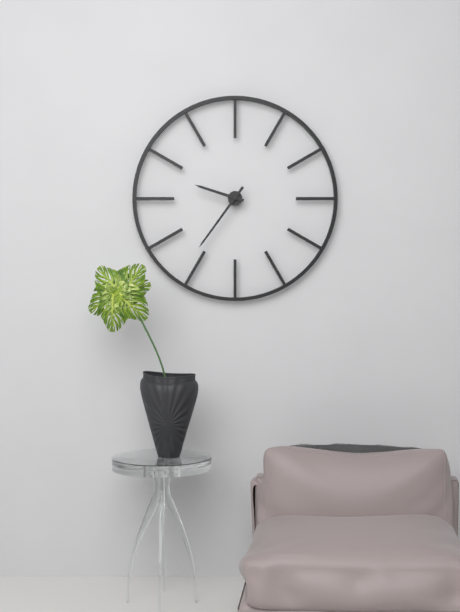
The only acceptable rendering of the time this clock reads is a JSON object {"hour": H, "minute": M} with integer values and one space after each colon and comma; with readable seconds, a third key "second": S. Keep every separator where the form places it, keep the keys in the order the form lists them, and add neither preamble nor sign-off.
{"hour": 9, "minute": 36}
